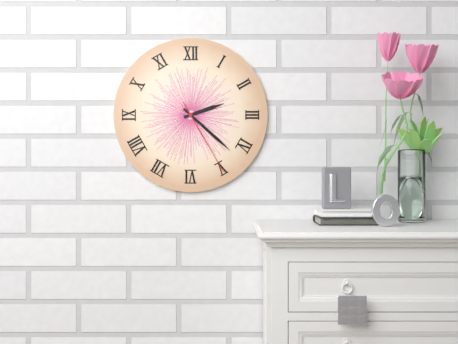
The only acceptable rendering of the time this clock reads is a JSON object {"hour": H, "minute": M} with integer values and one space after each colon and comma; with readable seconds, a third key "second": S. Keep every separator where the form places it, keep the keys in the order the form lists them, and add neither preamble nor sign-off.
{"hour": 2, "minute": 22, "second": 25}
